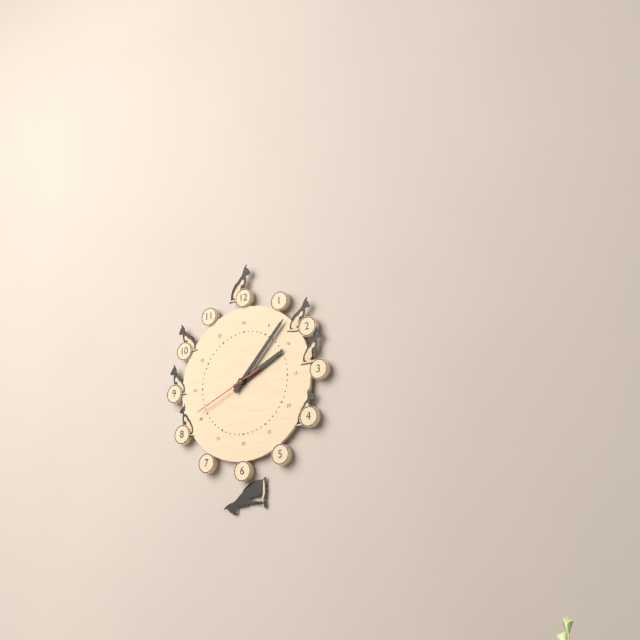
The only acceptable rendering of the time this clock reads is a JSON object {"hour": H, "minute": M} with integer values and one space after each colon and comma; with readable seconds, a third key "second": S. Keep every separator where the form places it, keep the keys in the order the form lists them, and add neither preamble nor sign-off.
{"hour": 2, "minute": 7, "second": 41}
